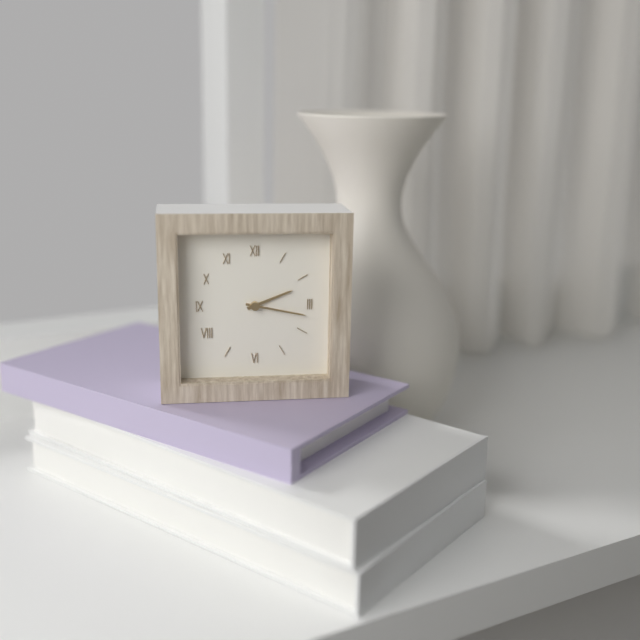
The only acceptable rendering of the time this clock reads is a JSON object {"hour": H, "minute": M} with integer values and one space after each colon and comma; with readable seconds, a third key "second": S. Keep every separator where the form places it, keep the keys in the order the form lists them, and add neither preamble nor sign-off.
{"hour": 2, "minute": 17}
